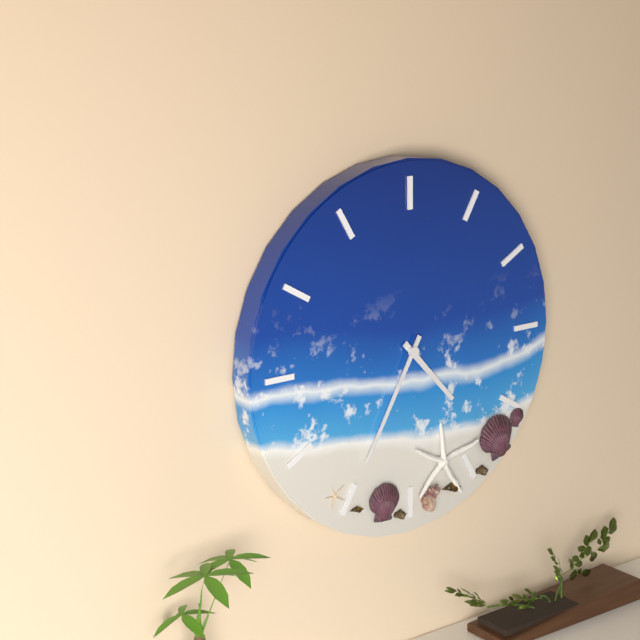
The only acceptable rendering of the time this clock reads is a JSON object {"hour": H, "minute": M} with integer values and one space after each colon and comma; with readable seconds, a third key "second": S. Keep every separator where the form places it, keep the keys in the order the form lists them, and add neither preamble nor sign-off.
{"hour": 4, "minute": 35}
